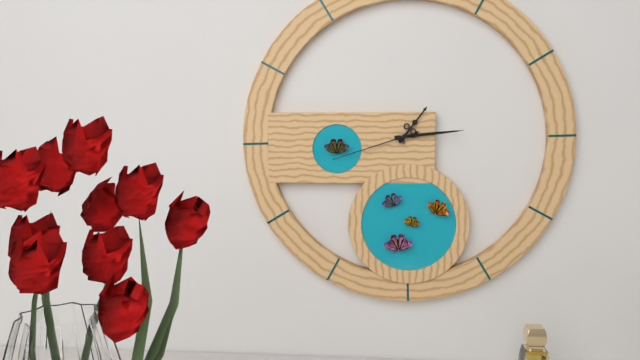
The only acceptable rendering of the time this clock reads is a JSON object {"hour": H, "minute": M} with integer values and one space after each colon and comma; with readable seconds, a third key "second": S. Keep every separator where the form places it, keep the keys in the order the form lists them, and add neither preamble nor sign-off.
{"hour": 1, "minute": 14, "second": 42}
